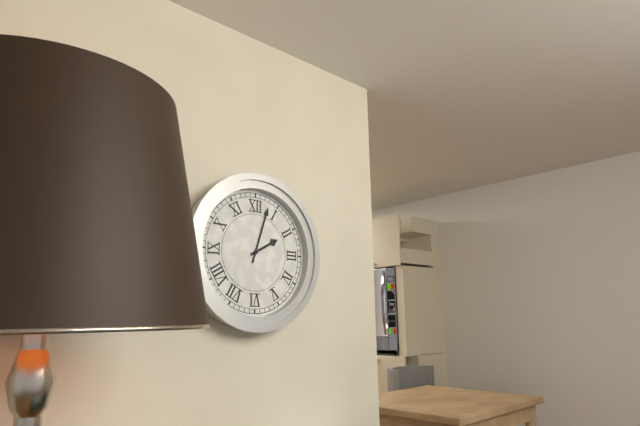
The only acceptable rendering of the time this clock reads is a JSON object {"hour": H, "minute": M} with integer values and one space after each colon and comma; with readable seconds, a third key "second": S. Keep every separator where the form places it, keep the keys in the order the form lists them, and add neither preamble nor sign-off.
{"hour": 2, "minute": 3}
